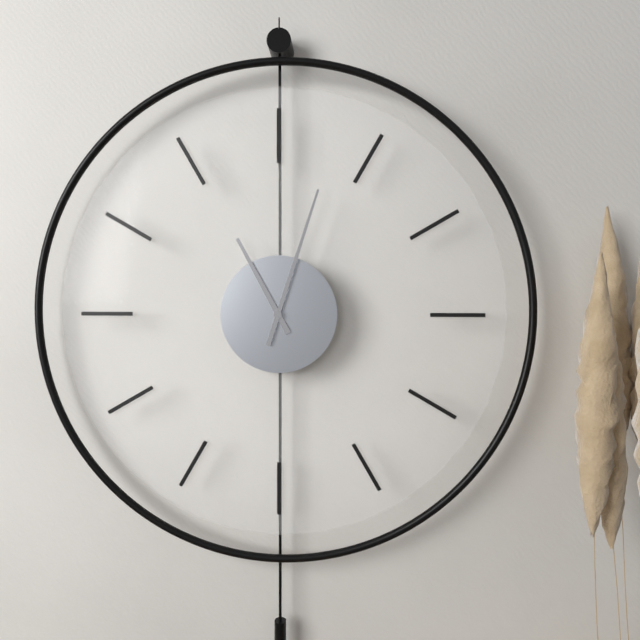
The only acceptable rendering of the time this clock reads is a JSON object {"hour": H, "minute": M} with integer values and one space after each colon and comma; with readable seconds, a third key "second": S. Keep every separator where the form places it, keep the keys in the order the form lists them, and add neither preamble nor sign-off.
{"hour": 11, "minute": 3}
